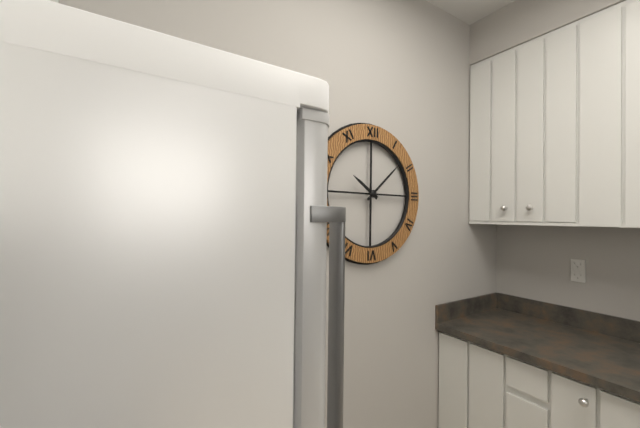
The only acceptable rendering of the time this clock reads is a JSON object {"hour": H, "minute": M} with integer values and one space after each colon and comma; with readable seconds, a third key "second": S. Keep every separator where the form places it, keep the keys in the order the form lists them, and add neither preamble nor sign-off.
{"hour": 10, "minute": 8}
